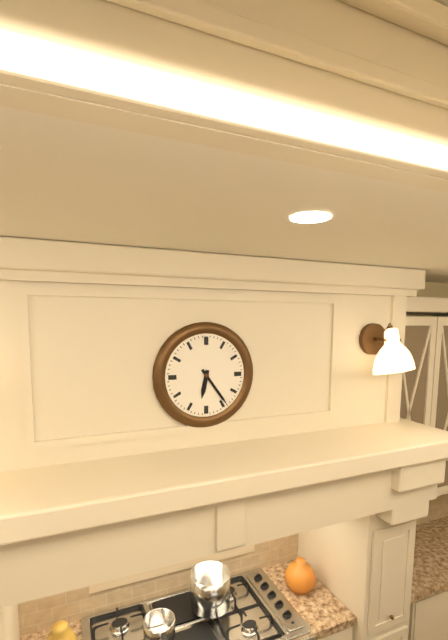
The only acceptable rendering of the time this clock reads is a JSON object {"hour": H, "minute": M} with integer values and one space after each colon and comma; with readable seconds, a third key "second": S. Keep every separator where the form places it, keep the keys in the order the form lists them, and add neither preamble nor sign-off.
{"hour": 6, "minute": 24}
